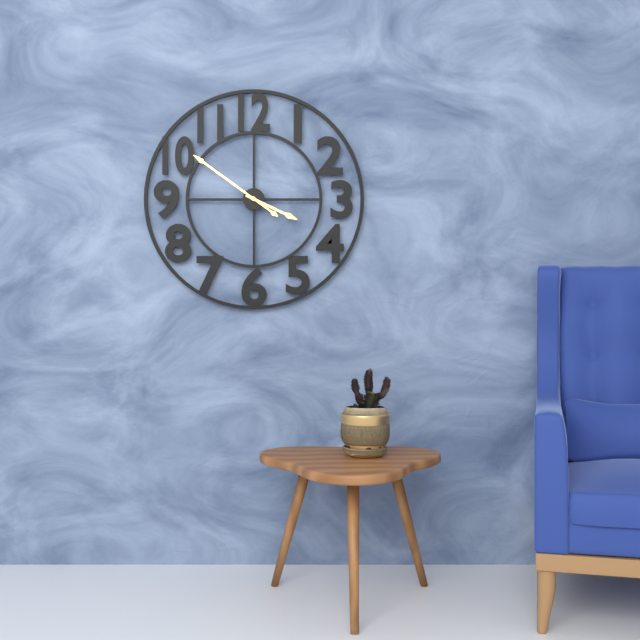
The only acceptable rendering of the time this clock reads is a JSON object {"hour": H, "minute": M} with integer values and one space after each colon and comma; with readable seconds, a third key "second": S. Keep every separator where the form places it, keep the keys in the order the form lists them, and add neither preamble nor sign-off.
{"hour": 3, "minute": 51}
